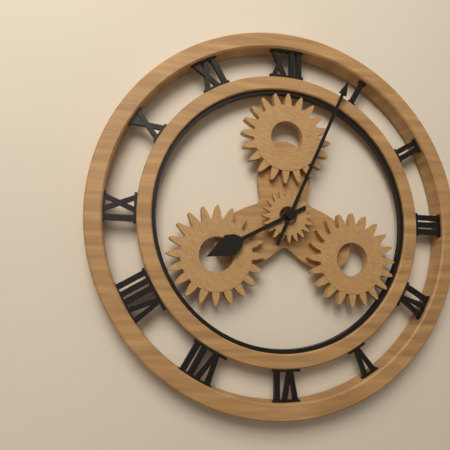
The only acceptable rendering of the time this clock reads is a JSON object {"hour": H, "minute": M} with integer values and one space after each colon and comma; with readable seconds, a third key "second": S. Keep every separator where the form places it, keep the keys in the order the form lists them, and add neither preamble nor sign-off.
{"hour": 8, "minute": 4}
